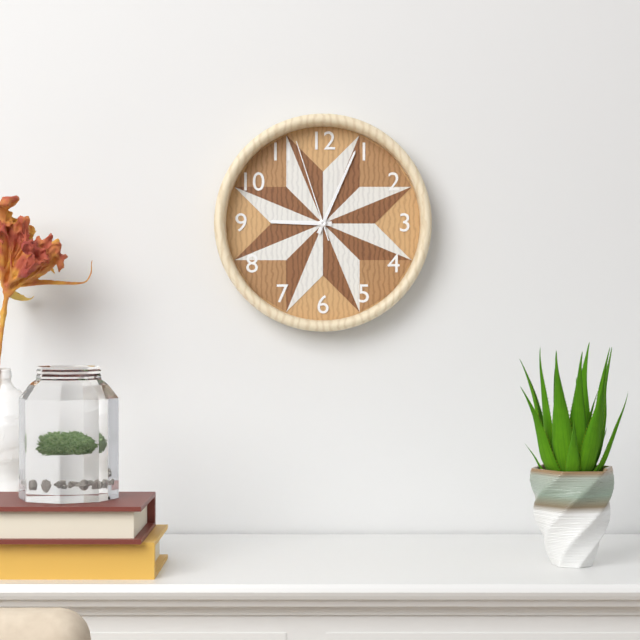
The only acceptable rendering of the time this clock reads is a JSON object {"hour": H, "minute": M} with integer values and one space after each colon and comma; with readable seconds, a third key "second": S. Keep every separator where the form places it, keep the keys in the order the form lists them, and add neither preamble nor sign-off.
{"hour": 9, "minute": 4, "second": 57}
